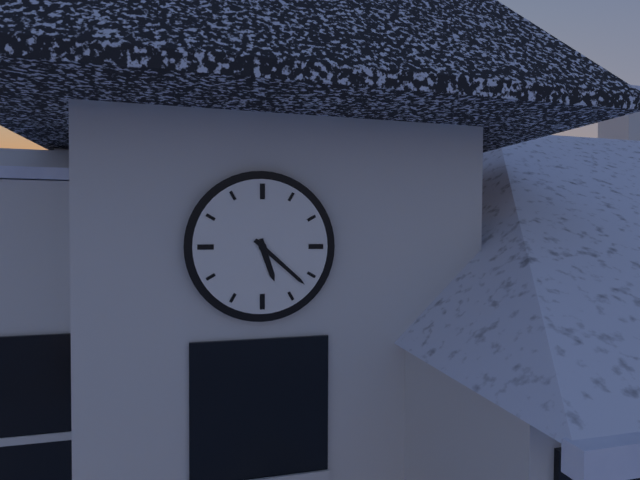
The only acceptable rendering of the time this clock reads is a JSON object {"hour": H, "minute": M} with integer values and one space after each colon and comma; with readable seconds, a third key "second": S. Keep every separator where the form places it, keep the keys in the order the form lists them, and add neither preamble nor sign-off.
{"hour": 5, "minute": 22}
